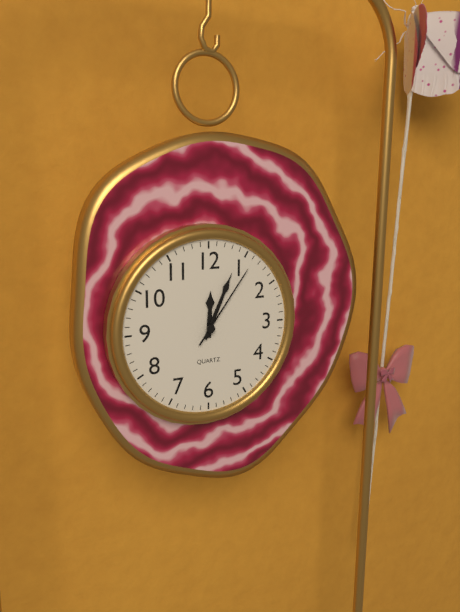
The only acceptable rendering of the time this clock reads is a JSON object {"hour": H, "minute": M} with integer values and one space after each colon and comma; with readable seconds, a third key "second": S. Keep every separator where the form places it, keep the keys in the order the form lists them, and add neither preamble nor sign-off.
{"hour": 12, "minute": 4, "second": 6}
